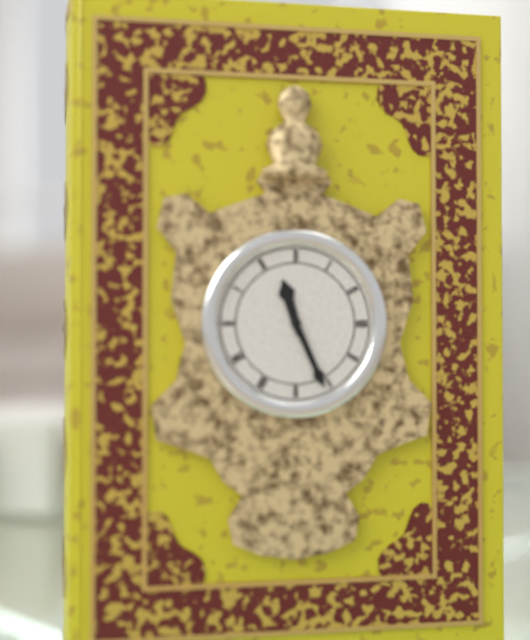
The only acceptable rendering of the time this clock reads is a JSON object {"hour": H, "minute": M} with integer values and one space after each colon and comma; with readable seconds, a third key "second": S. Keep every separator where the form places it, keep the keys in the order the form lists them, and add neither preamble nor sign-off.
{"hour": 11, "minute": 26}
